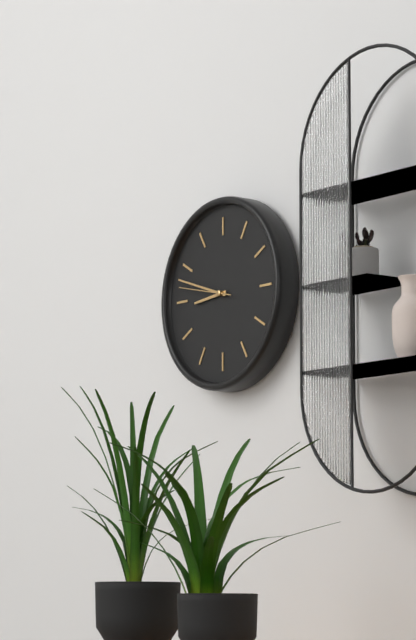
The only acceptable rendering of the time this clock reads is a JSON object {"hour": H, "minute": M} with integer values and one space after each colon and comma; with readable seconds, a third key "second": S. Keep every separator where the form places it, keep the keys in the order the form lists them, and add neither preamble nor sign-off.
{"hour": 8, "minute": 48, "second": 47}
